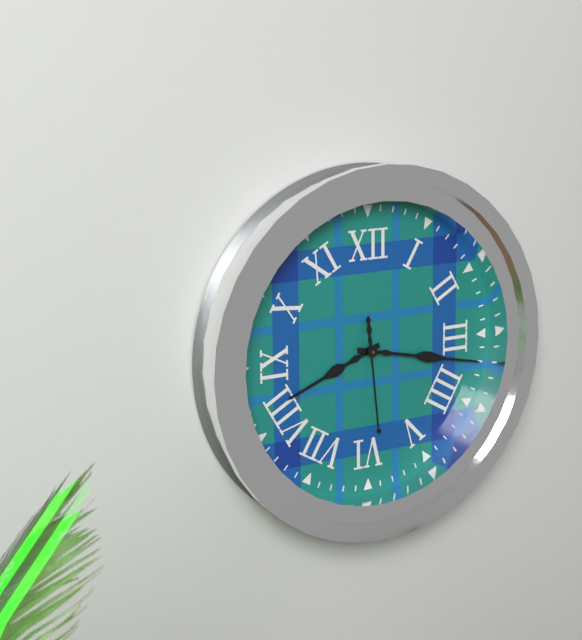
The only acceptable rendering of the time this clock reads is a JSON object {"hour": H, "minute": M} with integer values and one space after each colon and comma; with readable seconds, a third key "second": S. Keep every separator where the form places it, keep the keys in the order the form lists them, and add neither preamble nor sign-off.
{"hour": 8, "minute": 17, "second": 29}
